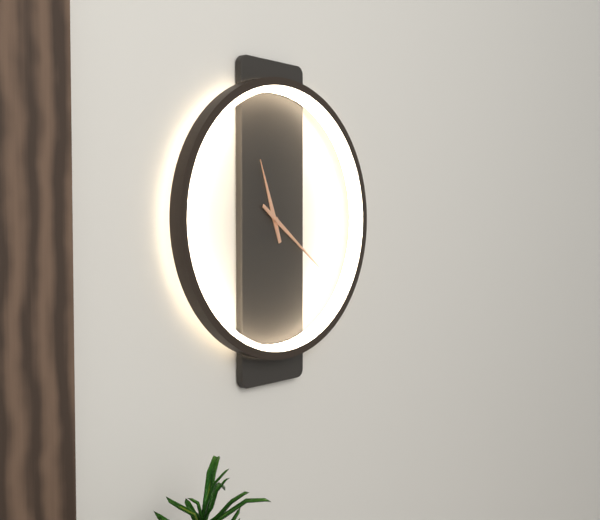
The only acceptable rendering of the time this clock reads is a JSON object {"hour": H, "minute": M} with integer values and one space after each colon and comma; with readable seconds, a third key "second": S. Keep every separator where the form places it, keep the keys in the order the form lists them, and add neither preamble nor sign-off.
{"hour": 11, "minute": 21}
